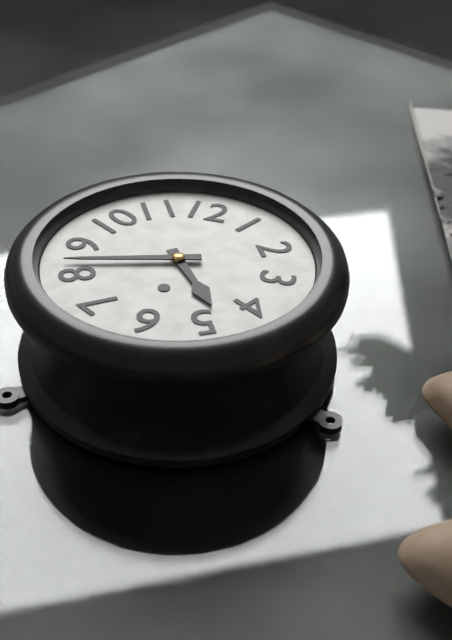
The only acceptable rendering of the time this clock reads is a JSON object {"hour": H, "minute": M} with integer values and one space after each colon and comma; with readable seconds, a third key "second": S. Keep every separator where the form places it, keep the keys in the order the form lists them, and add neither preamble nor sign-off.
{"hour": 4, "minute": 42}
